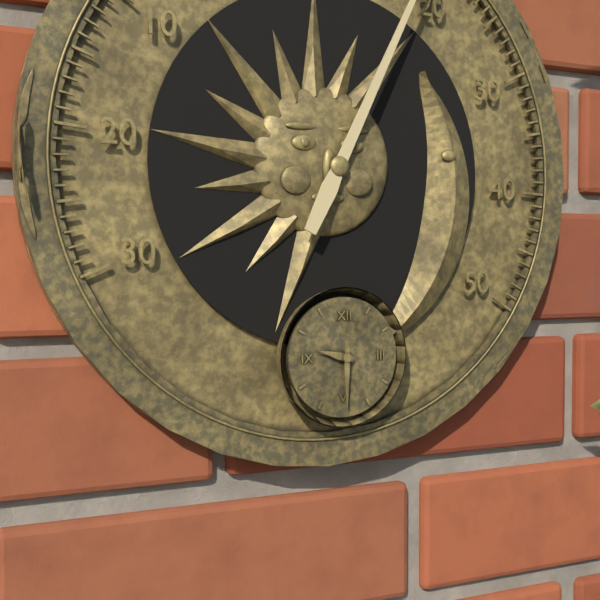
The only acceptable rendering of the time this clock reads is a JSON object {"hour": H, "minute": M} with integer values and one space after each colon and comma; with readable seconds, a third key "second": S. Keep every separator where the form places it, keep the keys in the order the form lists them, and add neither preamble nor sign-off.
{"hour": 9, "minute": 30}
